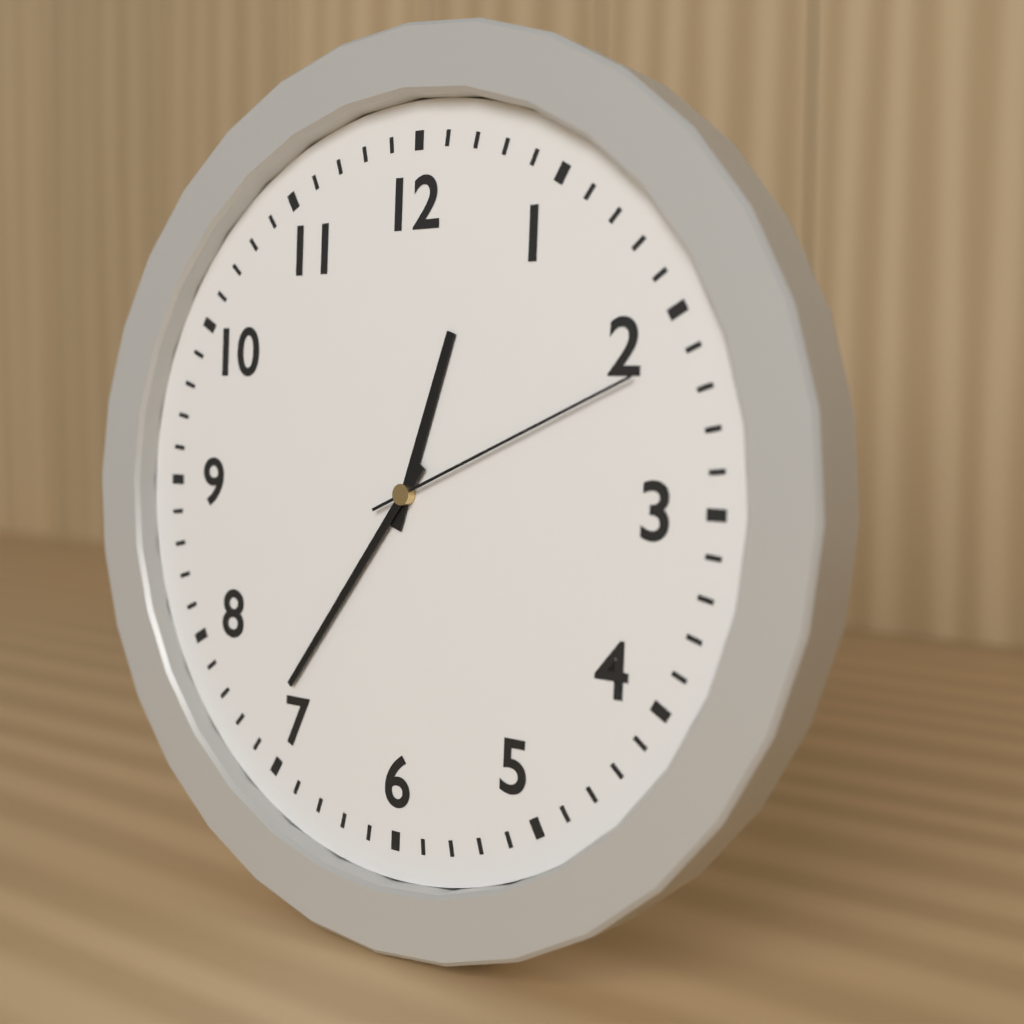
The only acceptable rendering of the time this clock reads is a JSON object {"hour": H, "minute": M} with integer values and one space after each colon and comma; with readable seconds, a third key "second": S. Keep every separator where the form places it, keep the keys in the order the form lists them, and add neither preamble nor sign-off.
{"hour": 12, "minute": 36, "second": 11}
